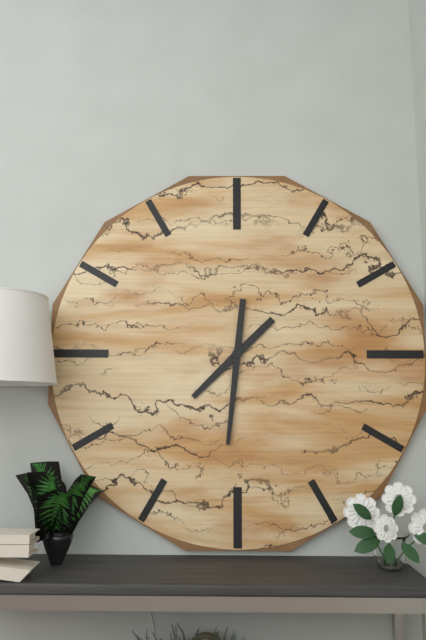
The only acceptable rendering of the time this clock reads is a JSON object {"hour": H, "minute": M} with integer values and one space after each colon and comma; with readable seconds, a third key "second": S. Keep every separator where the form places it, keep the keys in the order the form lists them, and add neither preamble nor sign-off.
{"hour": 7, "minute": 31}
